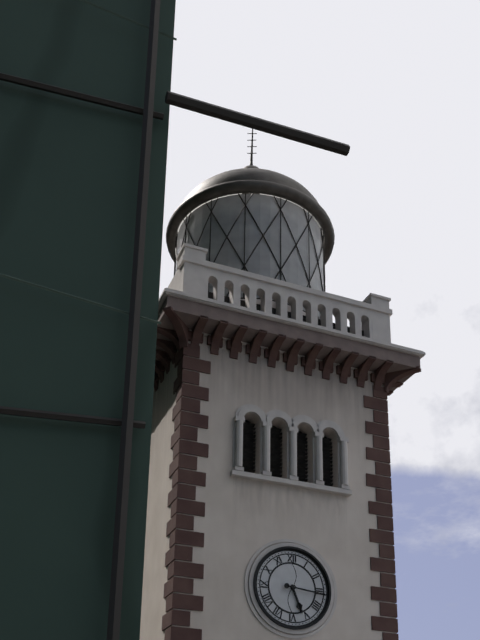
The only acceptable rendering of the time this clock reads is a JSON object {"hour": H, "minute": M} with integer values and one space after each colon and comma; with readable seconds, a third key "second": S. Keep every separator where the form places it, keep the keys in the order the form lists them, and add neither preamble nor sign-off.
{"hour": 5, "minute": 16}
